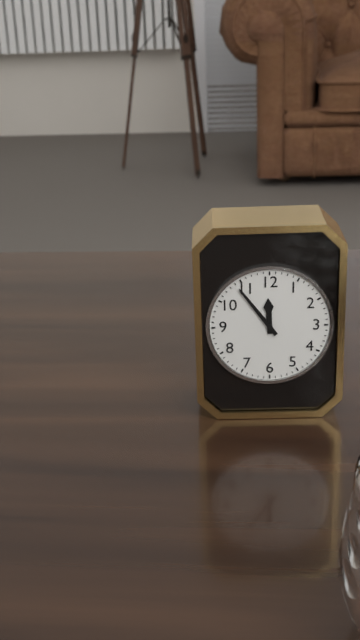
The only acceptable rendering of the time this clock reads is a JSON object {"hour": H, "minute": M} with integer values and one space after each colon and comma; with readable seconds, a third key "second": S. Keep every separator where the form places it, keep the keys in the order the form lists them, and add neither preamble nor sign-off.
{"hour": 11, "minute": 54}
